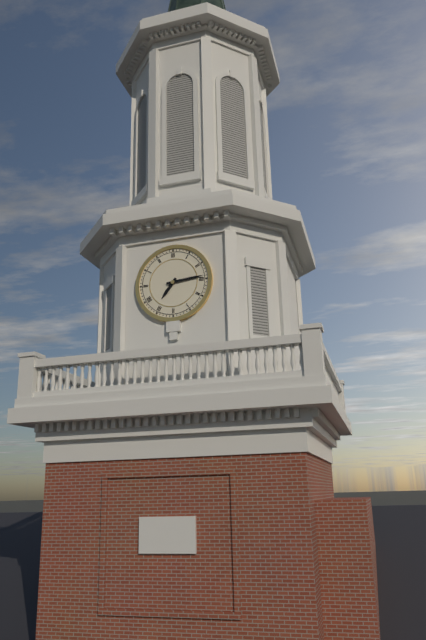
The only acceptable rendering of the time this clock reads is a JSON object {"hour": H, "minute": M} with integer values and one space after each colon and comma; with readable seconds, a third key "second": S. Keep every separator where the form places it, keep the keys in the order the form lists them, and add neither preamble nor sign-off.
{"hour": 7, "minute": 14}
